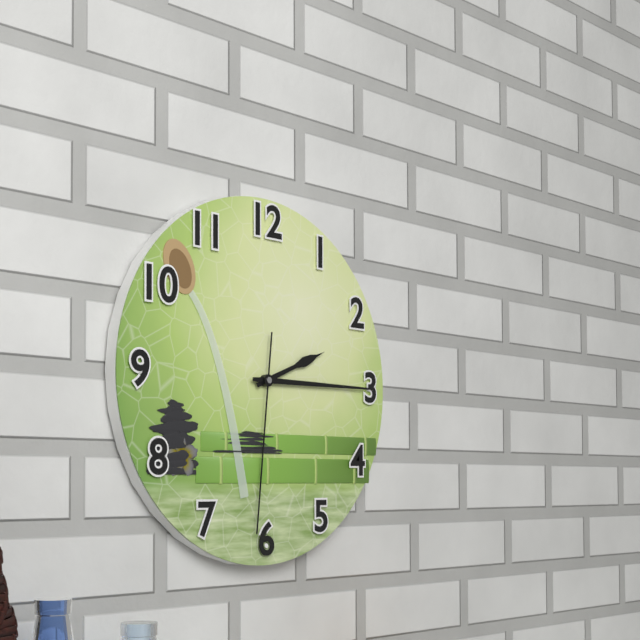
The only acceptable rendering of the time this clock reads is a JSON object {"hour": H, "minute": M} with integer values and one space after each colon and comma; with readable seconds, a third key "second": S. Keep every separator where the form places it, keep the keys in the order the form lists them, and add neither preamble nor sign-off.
{"hour": 2, "minute": 15, "second": 31}
